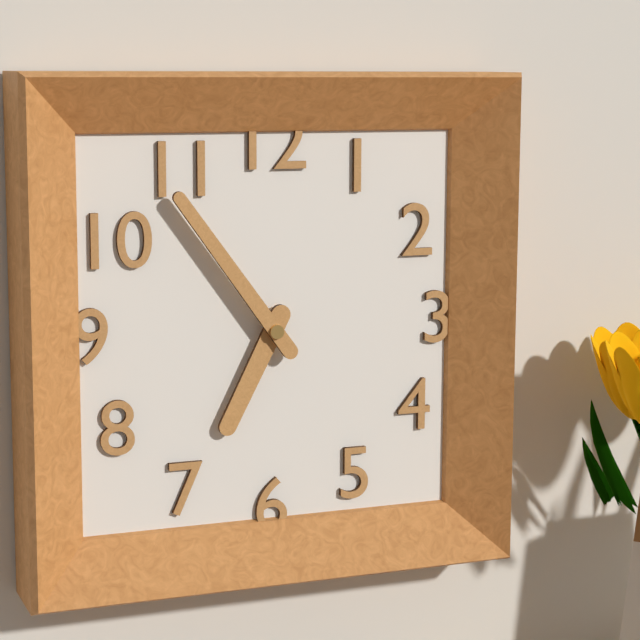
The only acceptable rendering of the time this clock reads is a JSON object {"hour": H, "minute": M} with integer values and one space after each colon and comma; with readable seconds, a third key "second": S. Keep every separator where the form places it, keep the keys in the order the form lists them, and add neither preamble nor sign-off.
{"hour": 6, "minute": 54}
